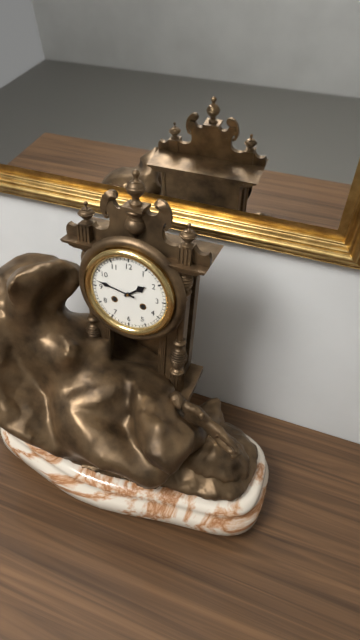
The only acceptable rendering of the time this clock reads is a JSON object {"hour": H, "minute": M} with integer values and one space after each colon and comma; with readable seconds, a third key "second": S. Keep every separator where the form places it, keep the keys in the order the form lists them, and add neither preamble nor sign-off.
{"hour": 1, "minute": 47}
